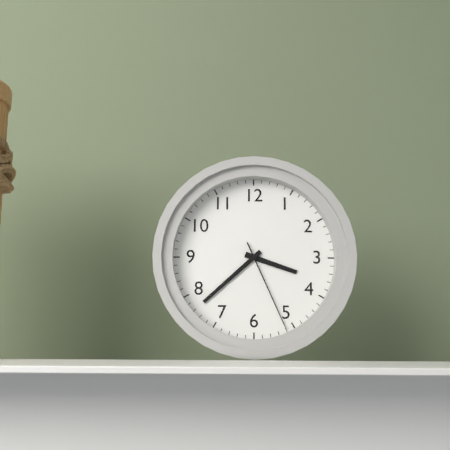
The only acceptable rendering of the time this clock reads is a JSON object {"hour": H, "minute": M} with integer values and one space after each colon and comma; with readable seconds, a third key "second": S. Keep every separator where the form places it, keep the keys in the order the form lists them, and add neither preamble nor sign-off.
{"hour": 3, "minute": 38, "second": 26}
